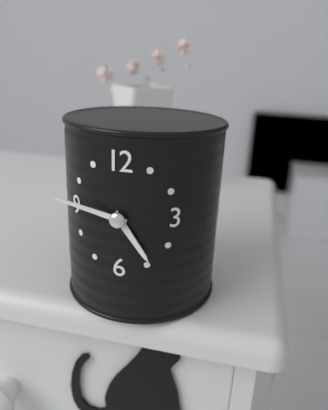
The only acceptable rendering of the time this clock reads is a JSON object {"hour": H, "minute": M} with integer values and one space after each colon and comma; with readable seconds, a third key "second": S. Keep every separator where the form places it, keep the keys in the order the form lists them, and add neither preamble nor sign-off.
{"hour": 4, "minute": 47}
